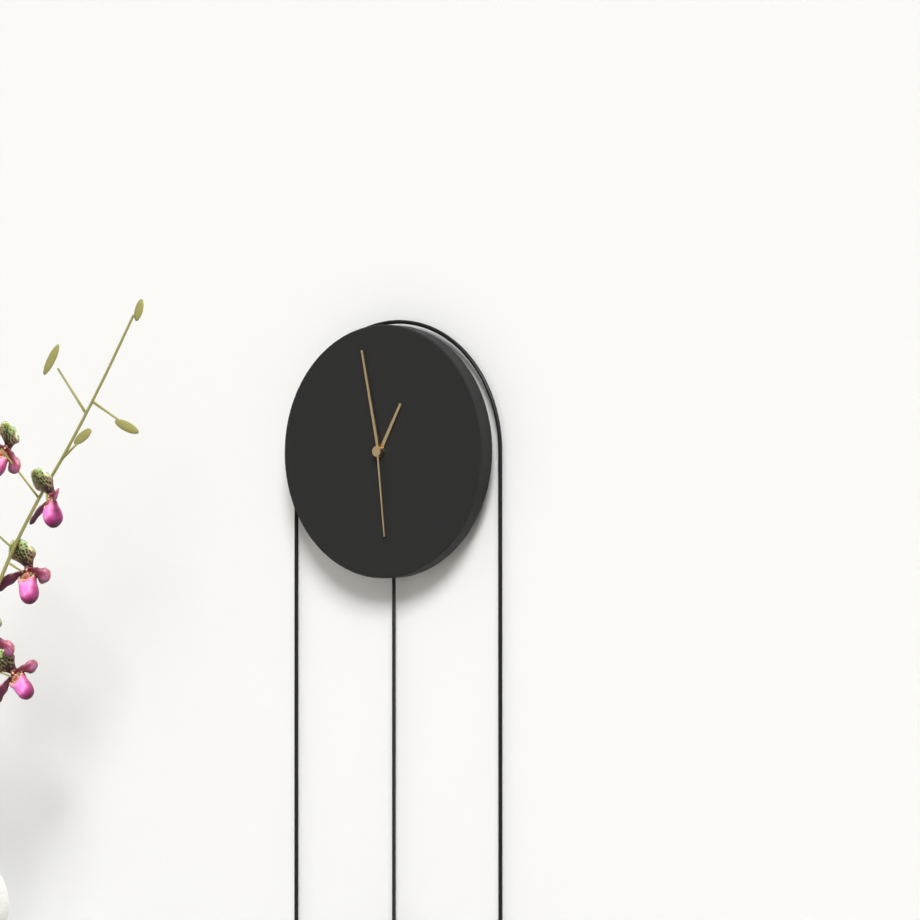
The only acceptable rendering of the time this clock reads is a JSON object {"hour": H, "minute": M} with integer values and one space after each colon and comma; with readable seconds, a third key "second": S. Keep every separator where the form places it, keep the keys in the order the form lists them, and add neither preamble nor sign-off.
{"hour": 12, "minute": 58, "second": 29}
